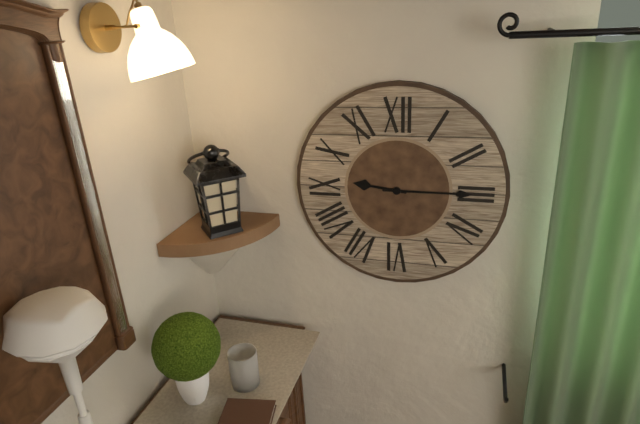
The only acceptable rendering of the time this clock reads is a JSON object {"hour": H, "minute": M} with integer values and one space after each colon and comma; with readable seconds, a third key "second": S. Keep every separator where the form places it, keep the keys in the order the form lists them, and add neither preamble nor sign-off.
{"hour": 9, "minute": 15}
